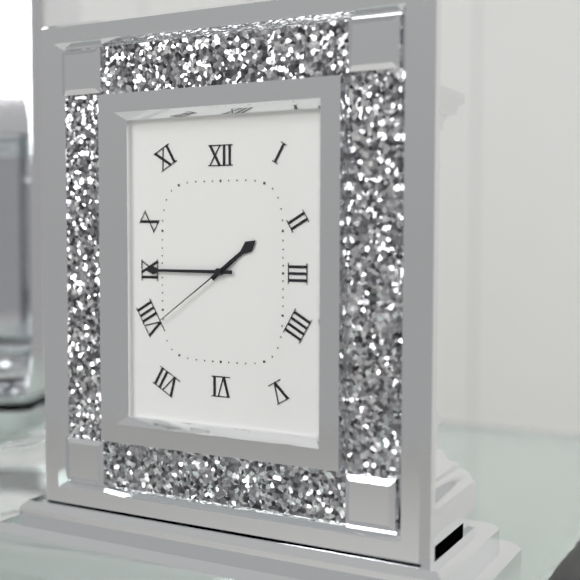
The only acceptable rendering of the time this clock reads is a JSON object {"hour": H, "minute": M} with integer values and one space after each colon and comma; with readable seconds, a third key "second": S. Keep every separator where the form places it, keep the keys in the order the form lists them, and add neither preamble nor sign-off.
{"hour": 1, "minute": 45, "second": 39}
